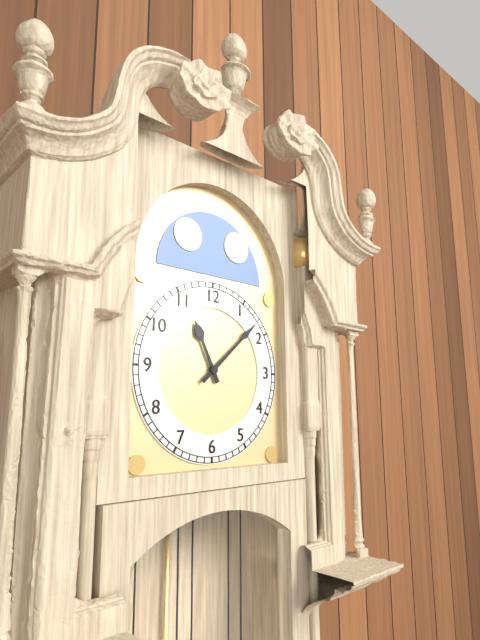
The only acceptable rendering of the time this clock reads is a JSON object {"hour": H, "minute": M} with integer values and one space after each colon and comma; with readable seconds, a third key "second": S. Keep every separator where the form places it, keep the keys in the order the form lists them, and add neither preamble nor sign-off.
{"hour": 11, "minute": 8}
